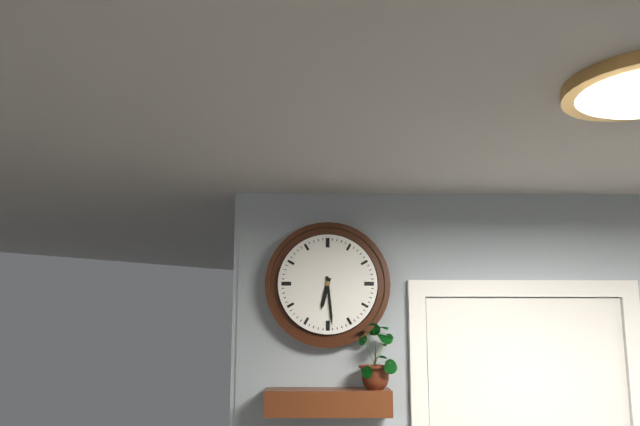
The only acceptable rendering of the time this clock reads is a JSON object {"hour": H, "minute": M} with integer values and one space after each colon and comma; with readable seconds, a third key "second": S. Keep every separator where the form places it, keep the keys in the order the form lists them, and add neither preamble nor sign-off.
{"hour": 6, "minute": 29}
